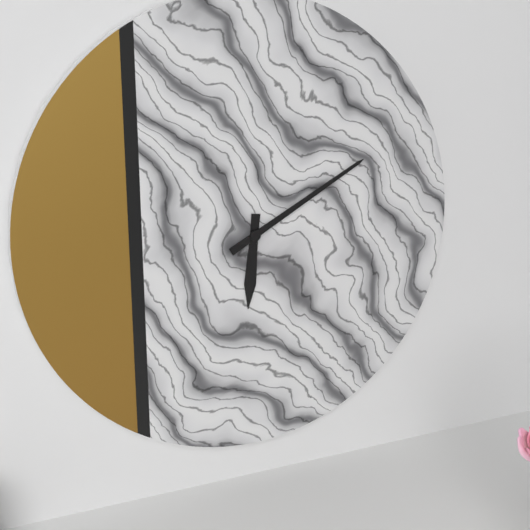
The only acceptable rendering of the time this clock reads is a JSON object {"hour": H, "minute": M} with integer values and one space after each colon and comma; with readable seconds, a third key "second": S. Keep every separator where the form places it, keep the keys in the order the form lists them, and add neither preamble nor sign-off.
{"hour": 6, "minute": 10}
